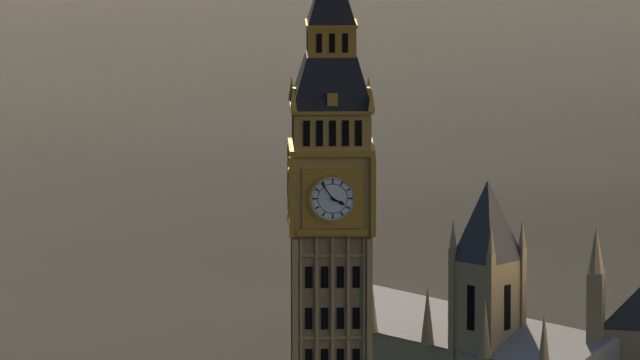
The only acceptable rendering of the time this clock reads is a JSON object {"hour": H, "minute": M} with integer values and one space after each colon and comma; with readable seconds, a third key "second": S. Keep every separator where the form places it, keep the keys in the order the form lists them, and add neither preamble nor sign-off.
{"hour": 3, "minute": 54}
